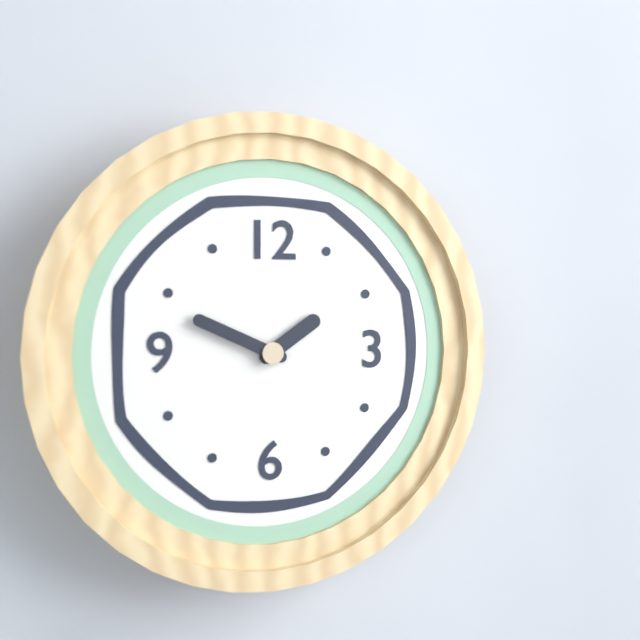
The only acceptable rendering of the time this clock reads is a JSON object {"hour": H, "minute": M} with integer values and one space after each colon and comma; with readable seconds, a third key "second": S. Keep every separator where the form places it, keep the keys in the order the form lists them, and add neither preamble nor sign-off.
{"hour": 1, "minute": 49}
